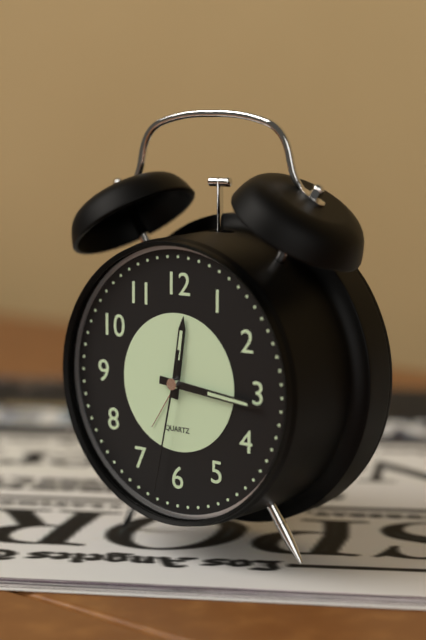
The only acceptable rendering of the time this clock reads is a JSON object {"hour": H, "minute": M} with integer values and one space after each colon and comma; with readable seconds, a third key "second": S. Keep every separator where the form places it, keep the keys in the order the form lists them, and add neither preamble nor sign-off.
{"hour": 12, "minute": 16, "second": 32}
